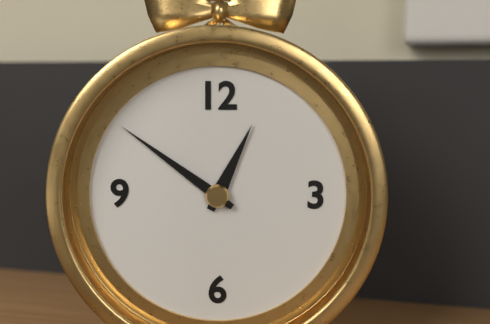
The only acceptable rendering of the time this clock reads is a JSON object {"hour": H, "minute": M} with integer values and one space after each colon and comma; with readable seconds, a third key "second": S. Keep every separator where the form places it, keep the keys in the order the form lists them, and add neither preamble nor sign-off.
{"hour": 12, "minute": 51}
